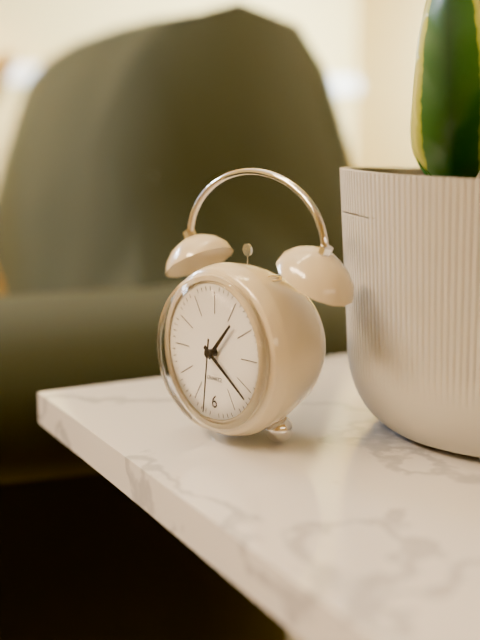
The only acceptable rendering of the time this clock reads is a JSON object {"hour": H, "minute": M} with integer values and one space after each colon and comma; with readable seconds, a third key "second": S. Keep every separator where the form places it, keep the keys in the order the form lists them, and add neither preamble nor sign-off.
{"hour": 1, "minute": 21, "second": 31}
